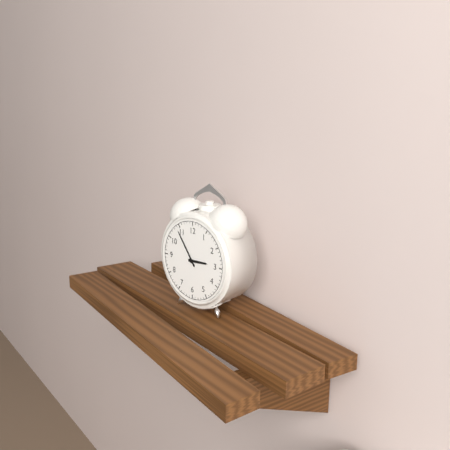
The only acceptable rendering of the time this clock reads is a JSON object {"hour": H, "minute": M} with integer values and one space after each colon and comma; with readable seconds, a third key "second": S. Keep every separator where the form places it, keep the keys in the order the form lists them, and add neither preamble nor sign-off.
{"hour": 2, "minute": 54}
